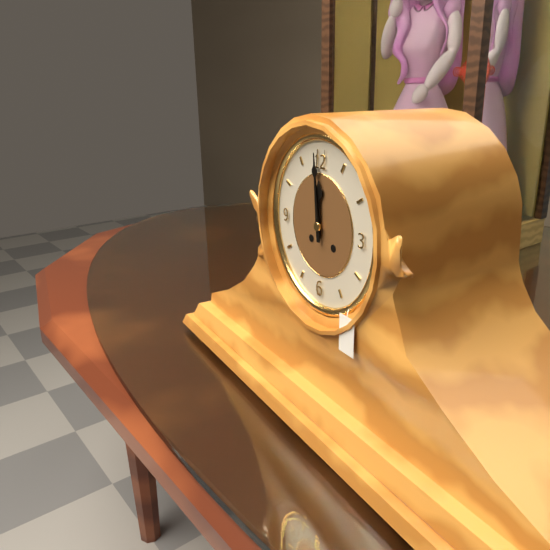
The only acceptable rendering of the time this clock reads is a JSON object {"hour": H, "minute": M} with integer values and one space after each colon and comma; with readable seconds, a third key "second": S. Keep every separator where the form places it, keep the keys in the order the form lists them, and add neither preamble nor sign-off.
{"hour": 11, "minute": 59}
